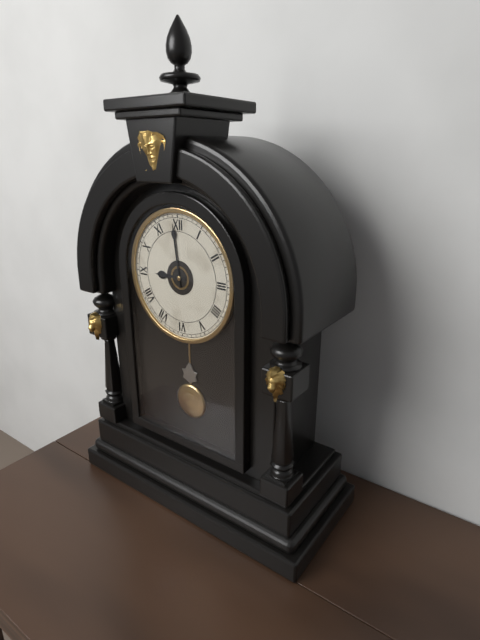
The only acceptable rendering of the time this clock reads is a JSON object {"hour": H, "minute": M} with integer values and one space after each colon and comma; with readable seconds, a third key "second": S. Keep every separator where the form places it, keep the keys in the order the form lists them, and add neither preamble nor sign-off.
{"hour": 8, "minute": 59}
